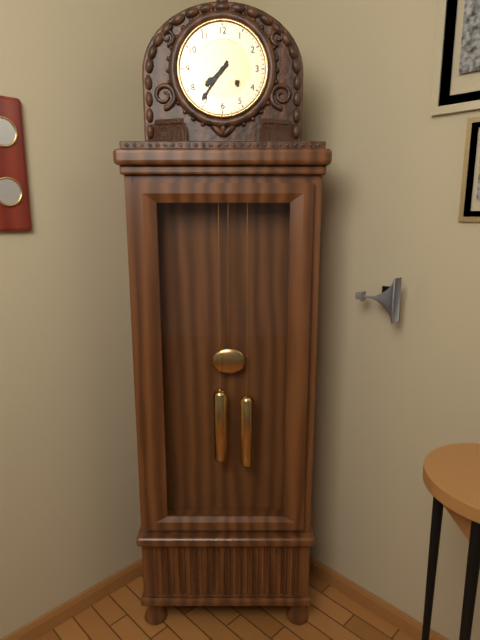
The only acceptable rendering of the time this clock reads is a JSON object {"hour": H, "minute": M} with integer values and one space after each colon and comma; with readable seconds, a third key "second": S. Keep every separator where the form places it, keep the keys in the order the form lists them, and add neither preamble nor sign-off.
{"hour": 7, "minute": 36}
